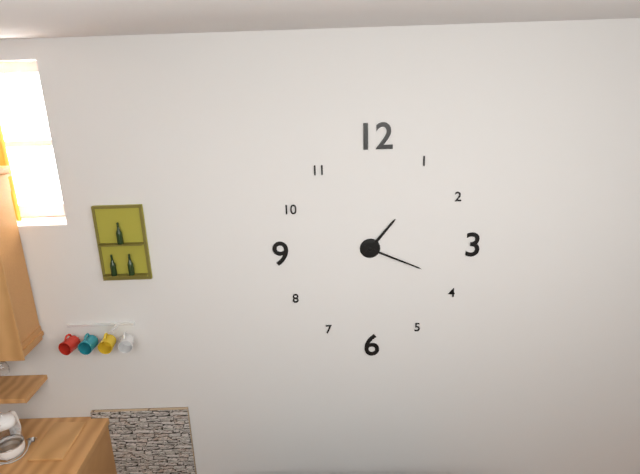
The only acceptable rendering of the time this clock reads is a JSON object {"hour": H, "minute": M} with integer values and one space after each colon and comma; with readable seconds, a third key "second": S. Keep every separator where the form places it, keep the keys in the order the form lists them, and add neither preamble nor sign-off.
{"hour": 1, "minute": 19}
